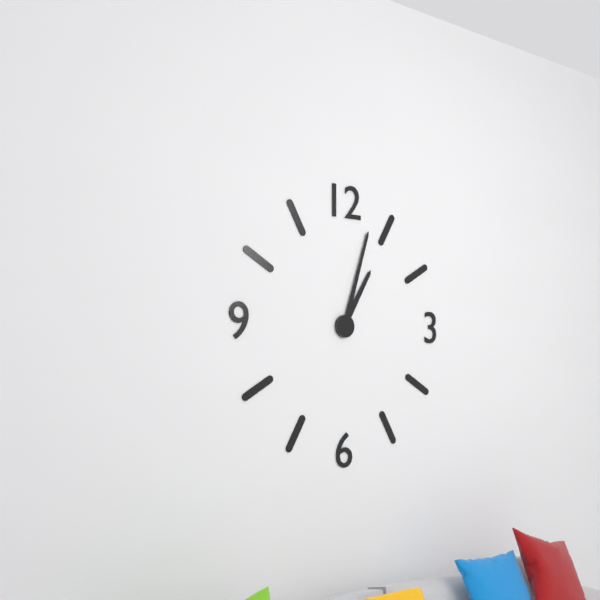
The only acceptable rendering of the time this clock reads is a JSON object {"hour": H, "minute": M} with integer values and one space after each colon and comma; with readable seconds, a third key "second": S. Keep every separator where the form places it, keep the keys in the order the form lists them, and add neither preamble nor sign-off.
{"hour": 1, "minute": 3}
